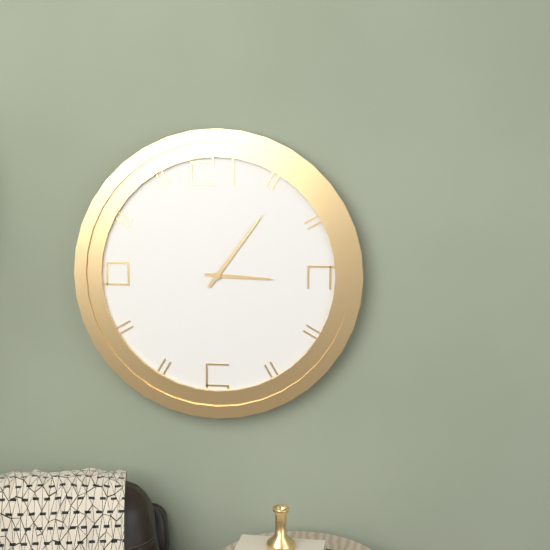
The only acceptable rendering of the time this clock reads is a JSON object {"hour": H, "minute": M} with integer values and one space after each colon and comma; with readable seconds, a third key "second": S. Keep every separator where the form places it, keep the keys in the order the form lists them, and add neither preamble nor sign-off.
{"hour": 3, "minute": 6}
